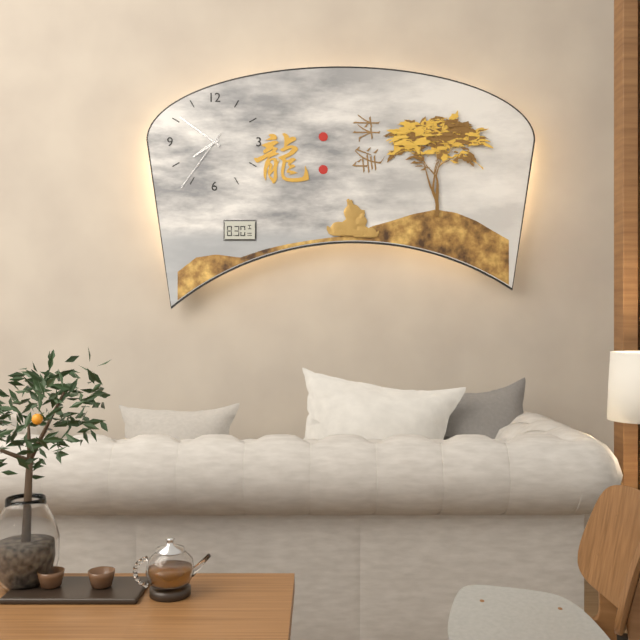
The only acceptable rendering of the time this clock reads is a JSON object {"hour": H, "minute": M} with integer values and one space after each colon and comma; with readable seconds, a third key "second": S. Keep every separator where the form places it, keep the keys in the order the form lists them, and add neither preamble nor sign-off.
{"hour": 7, "minute": 51, "second": 36}
